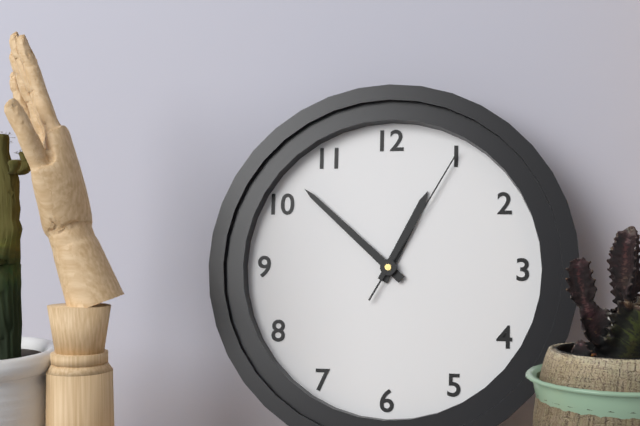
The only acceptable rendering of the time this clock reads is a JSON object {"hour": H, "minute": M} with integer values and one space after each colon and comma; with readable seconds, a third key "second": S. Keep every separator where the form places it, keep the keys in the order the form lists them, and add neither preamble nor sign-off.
{"hour": 12, "minute": 52, "second": 5}
